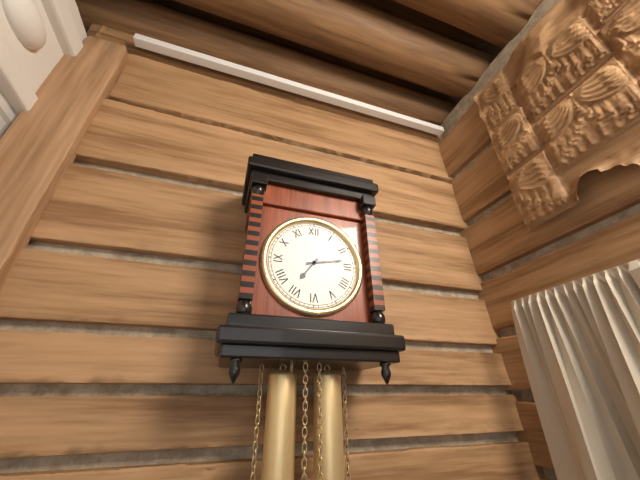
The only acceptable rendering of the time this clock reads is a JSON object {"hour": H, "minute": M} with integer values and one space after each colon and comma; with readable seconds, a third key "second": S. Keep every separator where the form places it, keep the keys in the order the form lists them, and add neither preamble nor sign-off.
{"hour": 7, "minute": 13}
